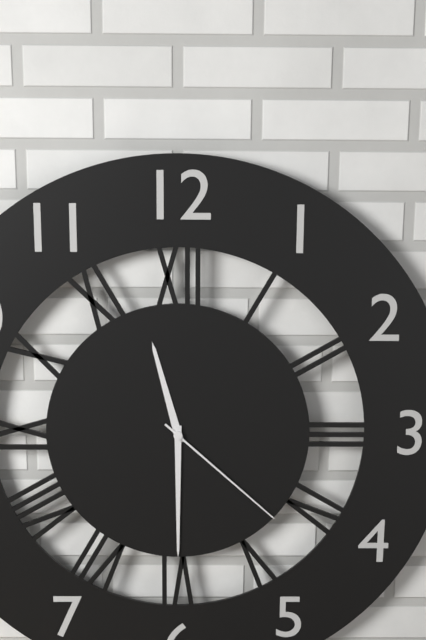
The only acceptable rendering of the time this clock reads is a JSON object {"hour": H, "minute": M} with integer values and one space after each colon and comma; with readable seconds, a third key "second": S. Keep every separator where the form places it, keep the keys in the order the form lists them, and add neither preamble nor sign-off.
{"hour": 11, "minute": 30, "second": 22}
